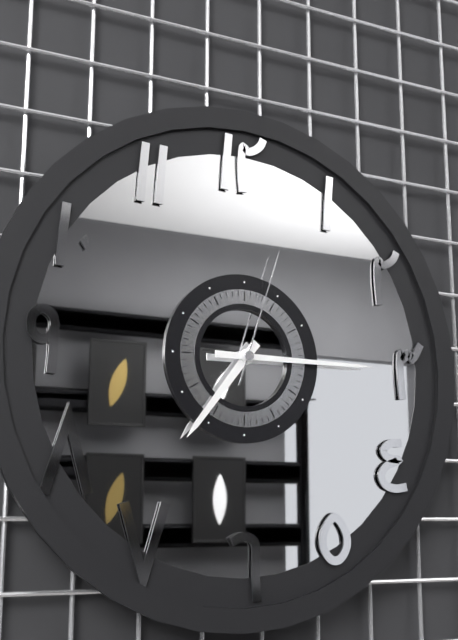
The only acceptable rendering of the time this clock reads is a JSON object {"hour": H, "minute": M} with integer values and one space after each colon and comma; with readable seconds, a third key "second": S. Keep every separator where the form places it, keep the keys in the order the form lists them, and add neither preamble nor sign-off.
{"hour": 7, "minute": 15, "second": 3}
